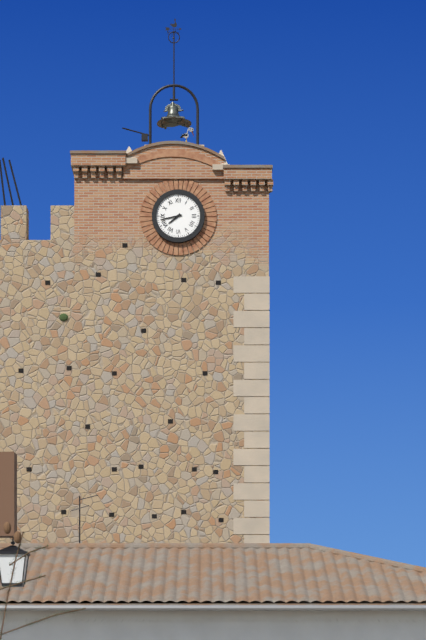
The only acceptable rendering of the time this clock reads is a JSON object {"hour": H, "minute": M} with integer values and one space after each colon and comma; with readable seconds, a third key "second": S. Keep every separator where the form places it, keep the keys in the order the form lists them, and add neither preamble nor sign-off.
{"hour": 7, "minute": 43}
